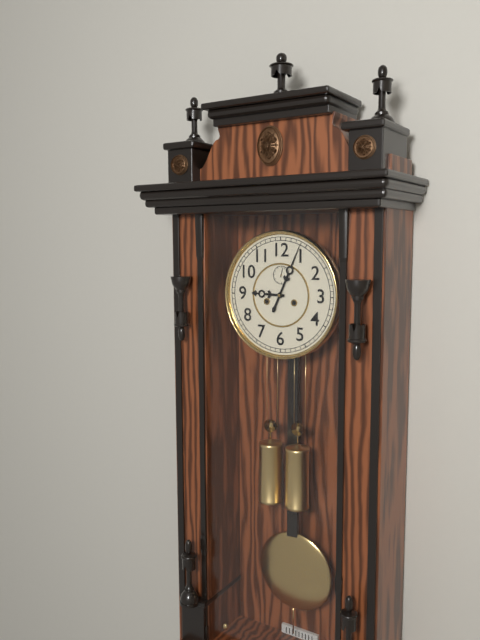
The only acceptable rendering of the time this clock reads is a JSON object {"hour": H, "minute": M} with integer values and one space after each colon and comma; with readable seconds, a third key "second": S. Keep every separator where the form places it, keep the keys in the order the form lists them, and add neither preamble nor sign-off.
{"hour": 9, "minute": 4}
